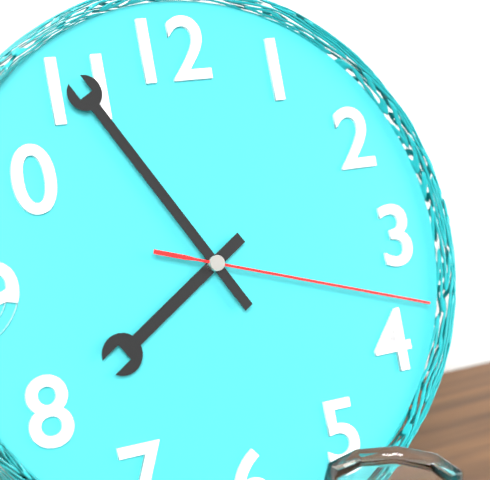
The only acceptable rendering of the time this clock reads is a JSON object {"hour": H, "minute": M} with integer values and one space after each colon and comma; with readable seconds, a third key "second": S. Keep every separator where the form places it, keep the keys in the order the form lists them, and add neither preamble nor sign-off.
{"hour": 7, "minute": 55, "second": 18}
